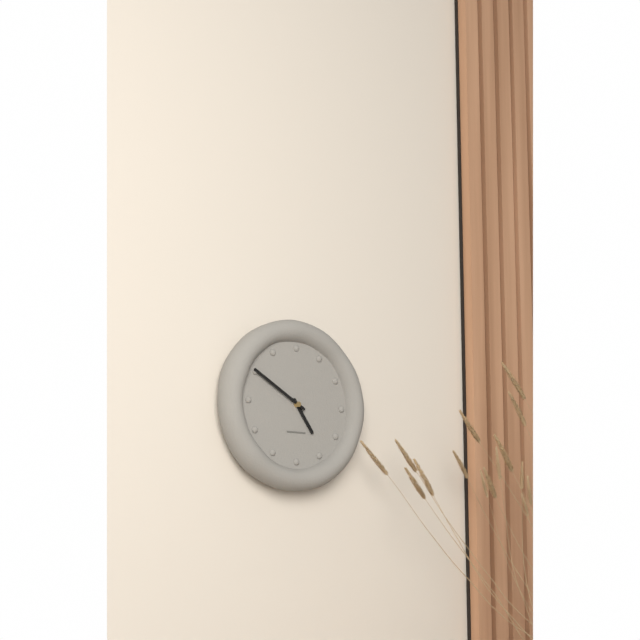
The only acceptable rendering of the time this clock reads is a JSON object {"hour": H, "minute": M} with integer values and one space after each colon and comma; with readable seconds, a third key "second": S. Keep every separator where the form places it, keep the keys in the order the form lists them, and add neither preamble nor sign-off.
{"hour": 4, "minute": 50}
